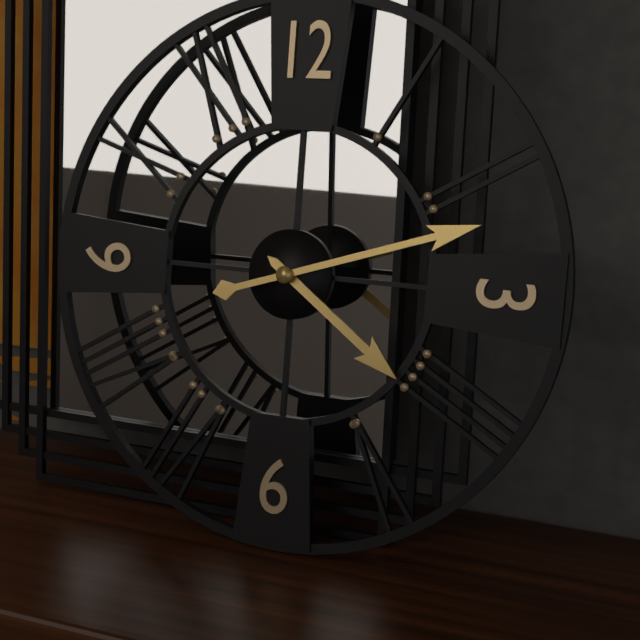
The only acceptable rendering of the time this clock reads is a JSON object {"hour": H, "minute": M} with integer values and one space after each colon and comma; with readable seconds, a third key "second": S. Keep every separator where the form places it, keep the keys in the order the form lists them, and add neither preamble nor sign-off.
{"hour": 4, "minute": 12}
